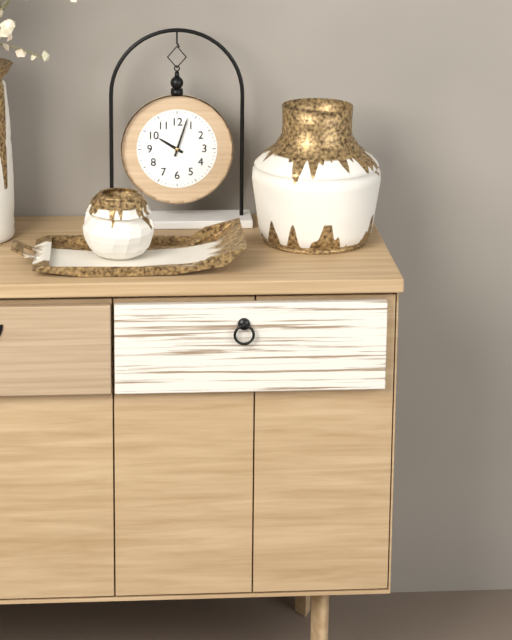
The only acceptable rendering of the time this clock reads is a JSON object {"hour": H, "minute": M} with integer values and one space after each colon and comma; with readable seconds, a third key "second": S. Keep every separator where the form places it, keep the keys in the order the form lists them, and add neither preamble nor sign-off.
{"hour": 10, "minute": 3}
